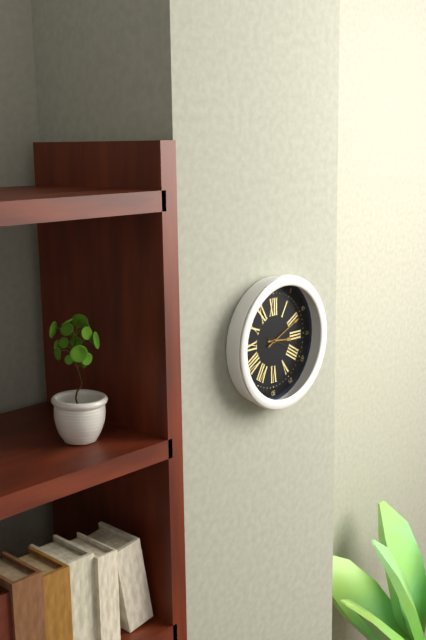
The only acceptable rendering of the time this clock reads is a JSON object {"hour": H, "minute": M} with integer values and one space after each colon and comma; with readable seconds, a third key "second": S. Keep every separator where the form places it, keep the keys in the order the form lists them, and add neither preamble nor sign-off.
{"hour": 3, "minute": 11}
